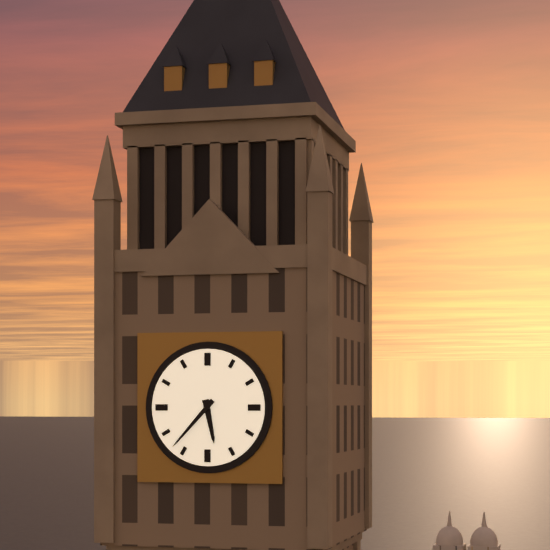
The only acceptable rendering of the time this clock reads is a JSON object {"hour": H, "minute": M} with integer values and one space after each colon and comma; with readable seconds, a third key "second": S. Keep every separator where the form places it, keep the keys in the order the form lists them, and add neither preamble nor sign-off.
{"hour": 5, "minute": 37}
